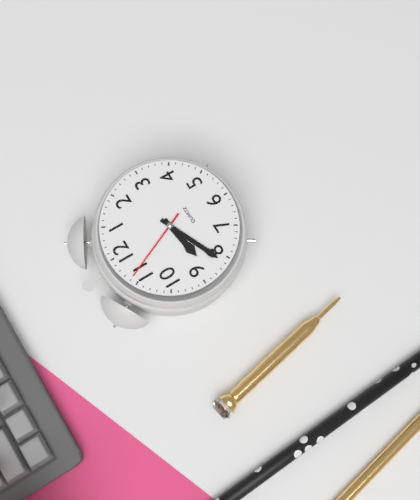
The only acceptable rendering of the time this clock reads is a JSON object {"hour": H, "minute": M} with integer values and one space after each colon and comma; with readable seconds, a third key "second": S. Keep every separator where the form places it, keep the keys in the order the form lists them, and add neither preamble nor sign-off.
{"hour": 8, "minute": 41, "second": 56}
